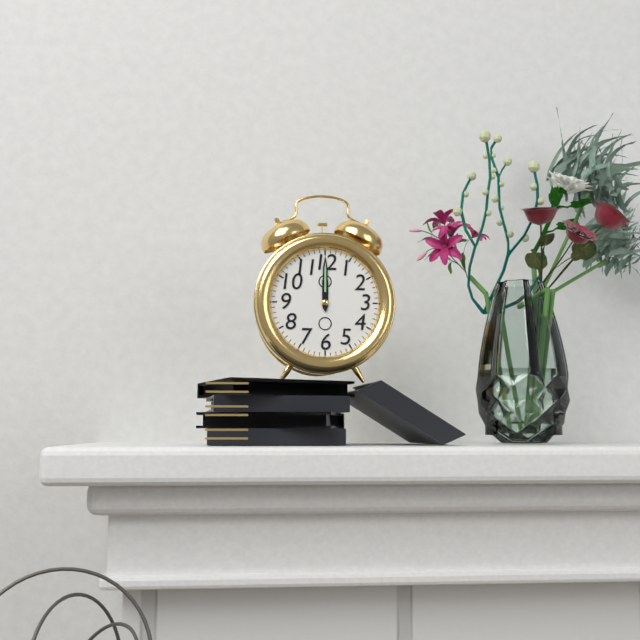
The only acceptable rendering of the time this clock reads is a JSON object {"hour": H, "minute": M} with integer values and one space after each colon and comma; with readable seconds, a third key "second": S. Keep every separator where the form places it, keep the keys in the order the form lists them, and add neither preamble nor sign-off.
{"hour": 12, "minute": 0}
